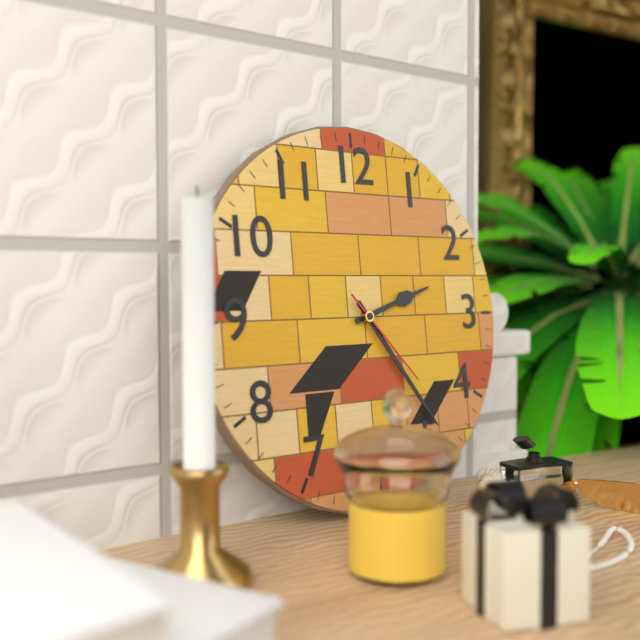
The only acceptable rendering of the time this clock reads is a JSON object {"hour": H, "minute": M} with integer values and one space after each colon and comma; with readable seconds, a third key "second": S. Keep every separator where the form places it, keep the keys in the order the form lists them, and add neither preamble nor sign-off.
{"hour": 2, "minute": 24, "second": 23}
